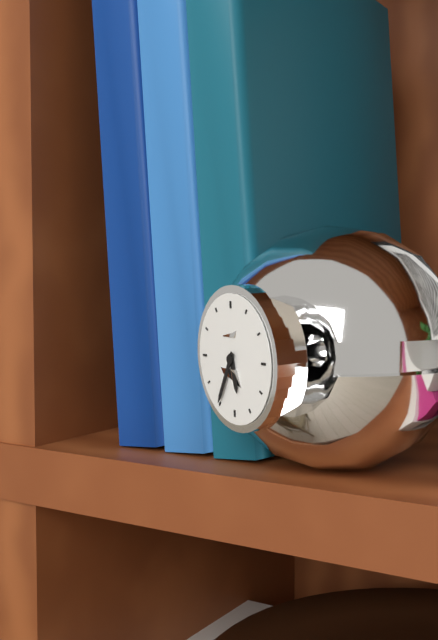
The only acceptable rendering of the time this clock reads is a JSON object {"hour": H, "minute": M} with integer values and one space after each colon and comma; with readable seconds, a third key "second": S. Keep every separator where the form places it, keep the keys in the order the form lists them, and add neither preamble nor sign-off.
{"hour": 5, "minute": 35}
